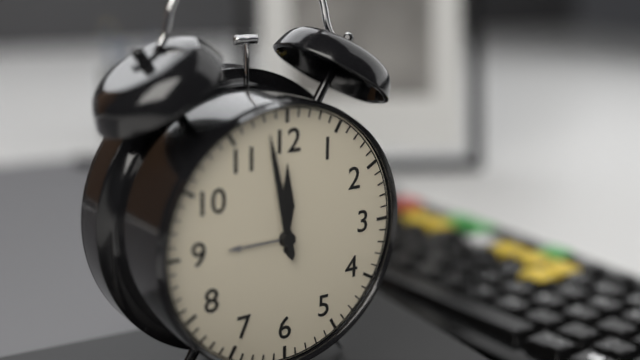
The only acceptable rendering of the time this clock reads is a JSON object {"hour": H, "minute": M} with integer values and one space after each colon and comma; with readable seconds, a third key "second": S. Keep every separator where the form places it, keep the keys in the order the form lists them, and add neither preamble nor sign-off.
{"hour": 11, "minute": 58}
